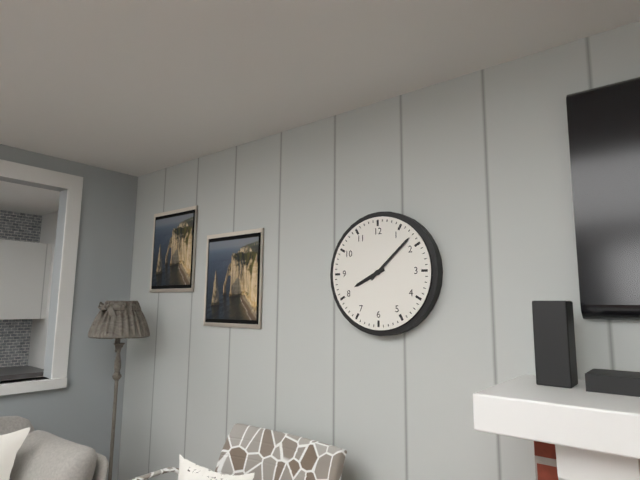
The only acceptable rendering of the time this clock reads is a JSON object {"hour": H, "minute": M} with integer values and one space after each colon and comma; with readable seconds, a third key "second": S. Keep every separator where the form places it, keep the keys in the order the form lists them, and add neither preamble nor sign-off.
{"hour": 8, "minute": 8}
